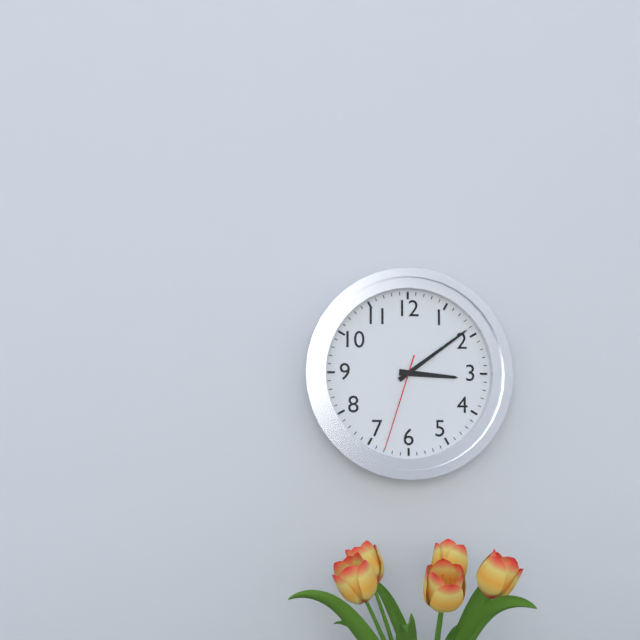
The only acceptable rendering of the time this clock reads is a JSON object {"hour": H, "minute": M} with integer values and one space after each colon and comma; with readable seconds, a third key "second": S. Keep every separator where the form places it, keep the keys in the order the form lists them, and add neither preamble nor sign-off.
{"hour": 3, "minute": 9, "second": 33}
